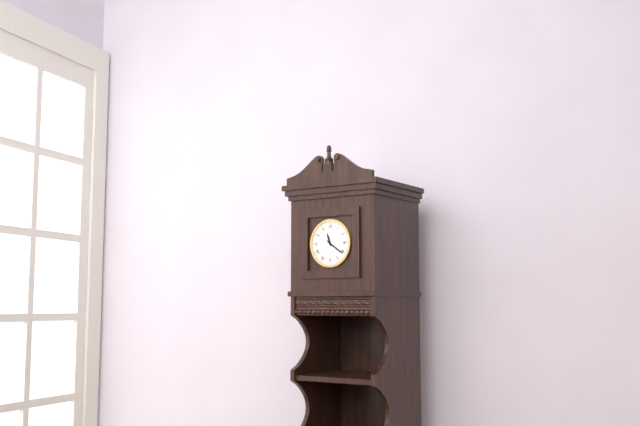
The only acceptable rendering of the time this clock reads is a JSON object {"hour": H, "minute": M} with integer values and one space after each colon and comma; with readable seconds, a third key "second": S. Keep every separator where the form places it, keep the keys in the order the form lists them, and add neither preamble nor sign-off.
{"hour": 11, "minute": 21}
